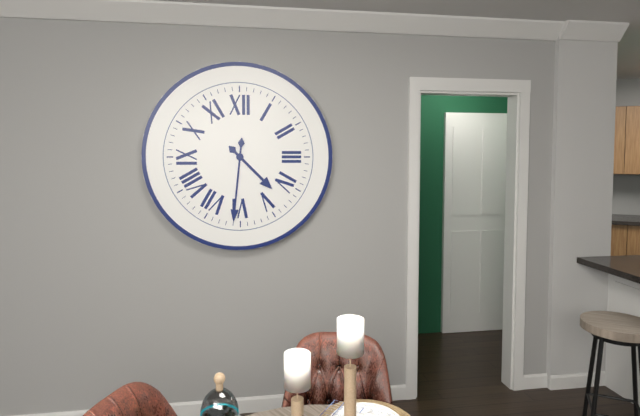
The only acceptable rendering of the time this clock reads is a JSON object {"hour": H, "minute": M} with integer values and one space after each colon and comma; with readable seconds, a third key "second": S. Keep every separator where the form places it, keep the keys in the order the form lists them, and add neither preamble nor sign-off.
{"hour": 4, "minute": 31}
